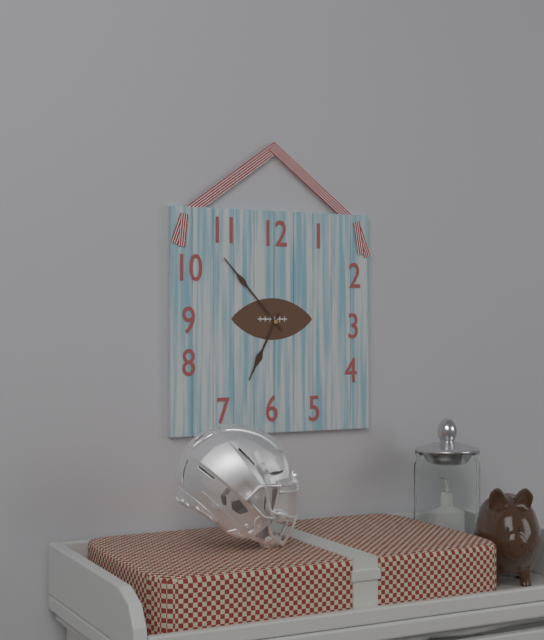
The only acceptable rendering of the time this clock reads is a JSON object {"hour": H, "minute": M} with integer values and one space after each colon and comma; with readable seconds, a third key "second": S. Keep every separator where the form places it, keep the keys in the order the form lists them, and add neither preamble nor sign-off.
{"hour": 6, "minute": 53}
